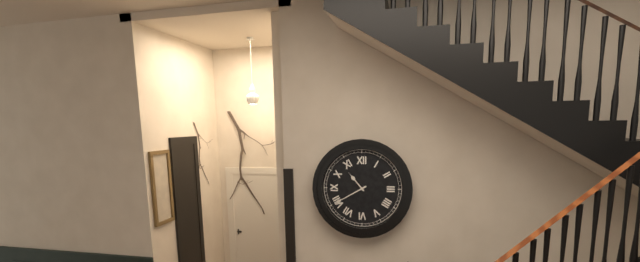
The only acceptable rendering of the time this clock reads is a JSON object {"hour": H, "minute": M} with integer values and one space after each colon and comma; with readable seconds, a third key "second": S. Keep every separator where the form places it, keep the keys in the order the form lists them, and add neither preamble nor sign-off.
{"hour": 10, "minute": 40}
